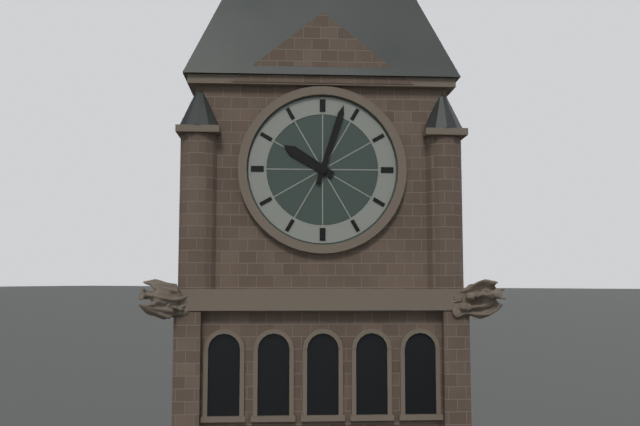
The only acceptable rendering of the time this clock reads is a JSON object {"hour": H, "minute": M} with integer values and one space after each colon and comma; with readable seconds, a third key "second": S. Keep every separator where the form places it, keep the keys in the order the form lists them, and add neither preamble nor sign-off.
{"hour": 10, "minute": 3}
